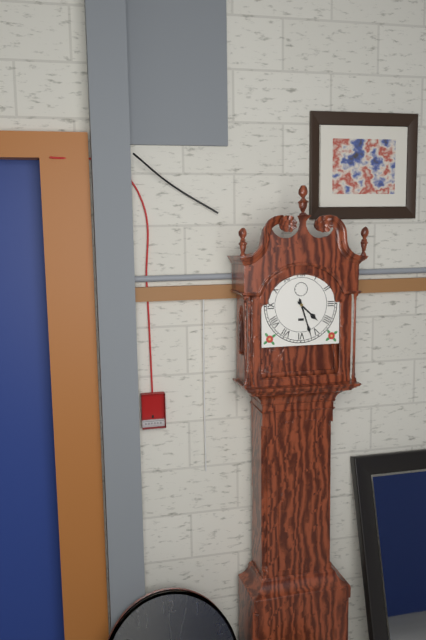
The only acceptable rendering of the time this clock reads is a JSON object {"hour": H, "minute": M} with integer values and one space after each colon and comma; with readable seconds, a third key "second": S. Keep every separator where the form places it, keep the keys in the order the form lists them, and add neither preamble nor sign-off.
{"hour": 4, "minute": 27}
